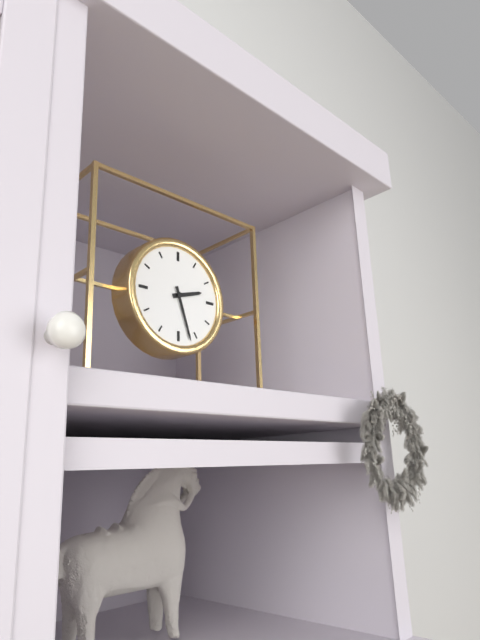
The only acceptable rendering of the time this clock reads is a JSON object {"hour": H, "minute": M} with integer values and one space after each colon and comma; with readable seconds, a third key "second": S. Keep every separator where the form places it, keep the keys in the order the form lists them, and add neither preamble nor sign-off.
{"hour": 2, "minute": 27}
